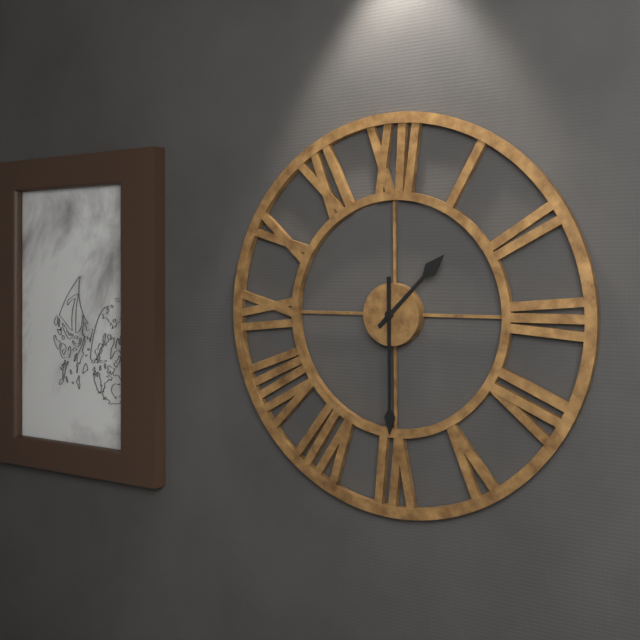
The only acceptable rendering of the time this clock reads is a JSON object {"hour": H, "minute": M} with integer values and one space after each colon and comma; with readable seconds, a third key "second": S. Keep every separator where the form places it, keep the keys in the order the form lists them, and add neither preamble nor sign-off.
{"hour": 1, "minute": 30}
